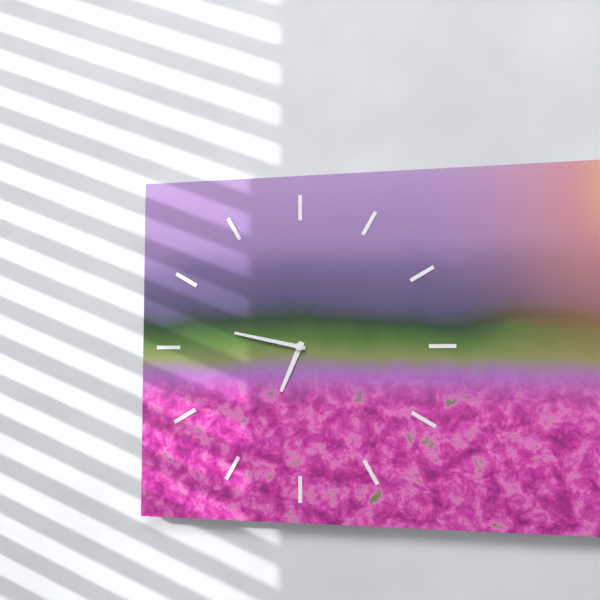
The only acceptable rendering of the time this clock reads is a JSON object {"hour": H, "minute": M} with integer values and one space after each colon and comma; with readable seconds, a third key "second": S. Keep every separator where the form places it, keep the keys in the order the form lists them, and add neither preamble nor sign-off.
{"hour": 6, "minute": 47}
